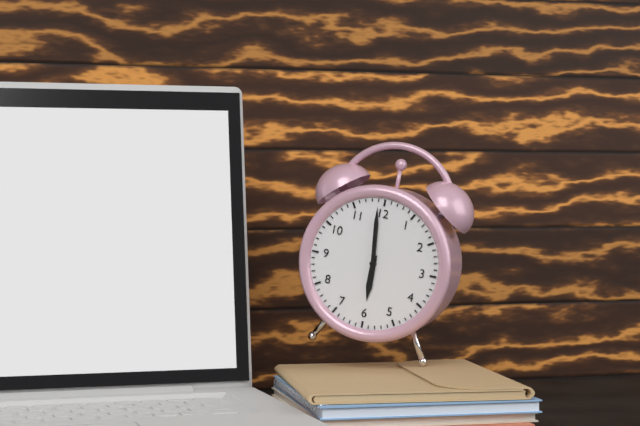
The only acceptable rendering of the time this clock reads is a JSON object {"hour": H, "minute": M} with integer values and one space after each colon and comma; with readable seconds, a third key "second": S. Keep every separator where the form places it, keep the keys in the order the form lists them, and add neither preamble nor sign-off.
{"hour": 5, "minute": 59}
